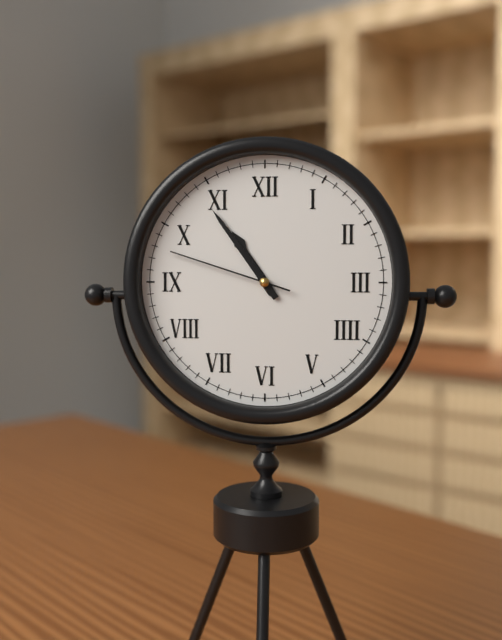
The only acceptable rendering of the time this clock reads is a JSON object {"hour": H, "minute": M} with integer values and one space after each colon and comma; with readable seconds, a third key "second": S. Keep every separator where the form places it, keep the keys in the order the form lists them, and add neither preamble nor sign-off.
{"hour": 10, "minute": 54, "second": 48}
